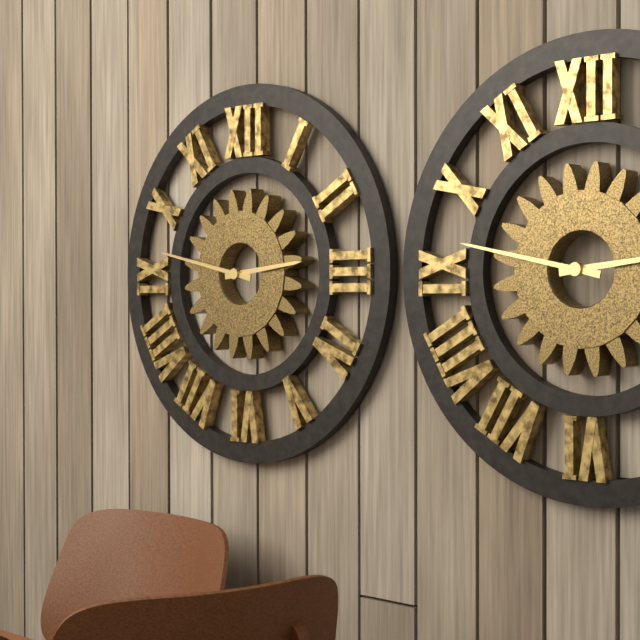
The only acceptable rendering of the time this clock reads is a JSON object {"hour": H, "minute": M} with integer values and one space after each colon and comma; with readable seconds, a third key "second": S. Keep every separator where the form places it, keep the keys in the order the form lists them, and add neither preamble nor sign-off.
{"hour": 2, "minute": 47}
